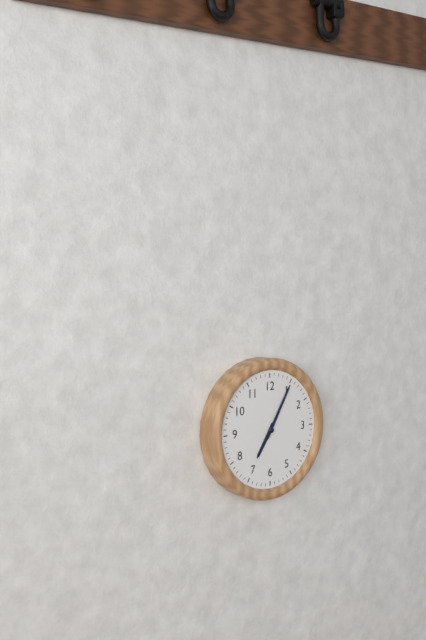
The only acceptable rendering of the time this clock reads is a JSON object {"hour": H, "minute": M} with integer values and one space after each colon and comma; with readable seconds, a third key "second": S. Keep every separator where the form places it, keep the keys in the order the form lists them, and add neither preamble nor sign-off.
{"hour": 7, "minute": 5}
